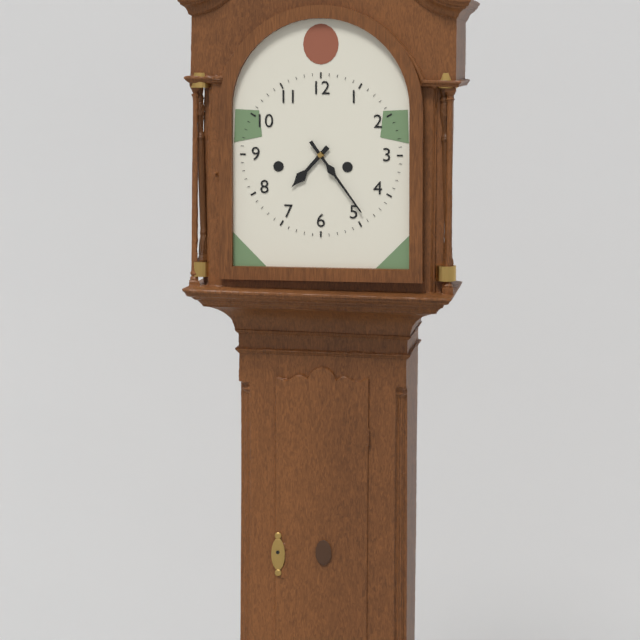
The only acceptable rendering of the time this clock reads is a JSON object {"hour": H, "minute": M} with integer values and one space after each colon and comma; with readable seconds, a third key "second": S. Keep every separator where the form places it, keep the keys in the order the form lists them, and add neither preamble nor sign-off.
{"hour": 7, "minute": 24}
